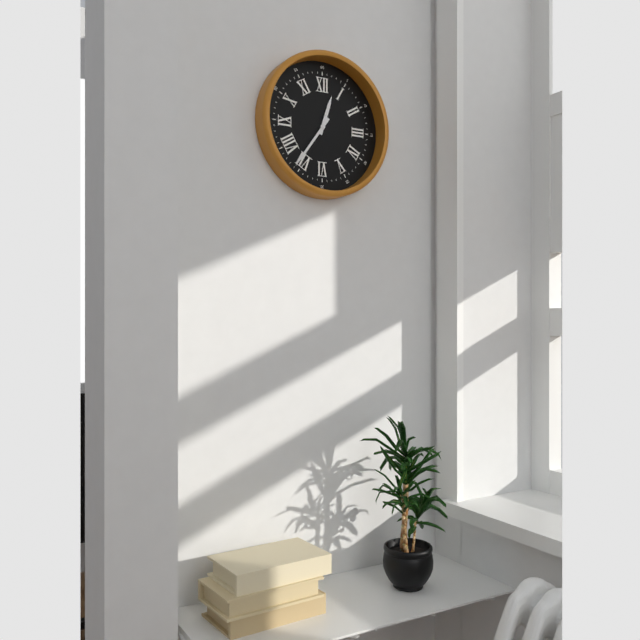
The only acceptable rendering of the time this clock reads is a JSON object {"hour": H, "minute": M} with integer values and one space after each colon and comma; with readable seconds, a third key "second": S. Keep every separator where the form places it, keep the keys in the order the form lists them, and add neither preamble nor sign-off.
{"hour": 12, "minute": 36}
